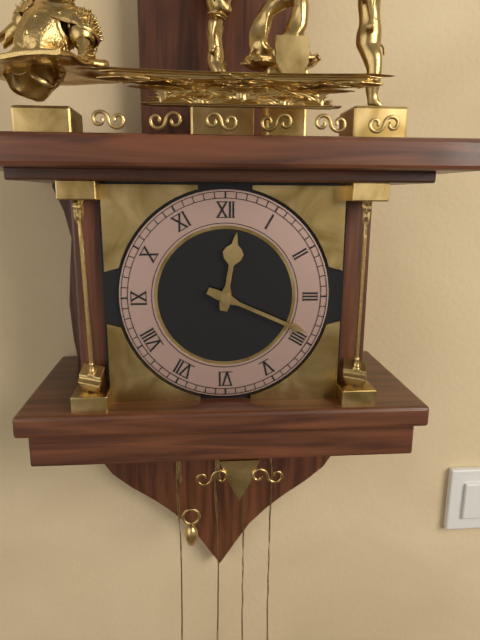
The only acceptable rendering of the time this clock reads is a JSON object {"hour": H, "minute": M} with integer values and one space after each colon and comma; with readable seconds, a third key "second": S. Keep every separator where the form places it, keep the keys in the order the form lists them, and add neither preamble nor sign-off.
{"hour": 12, "minute": 19}
